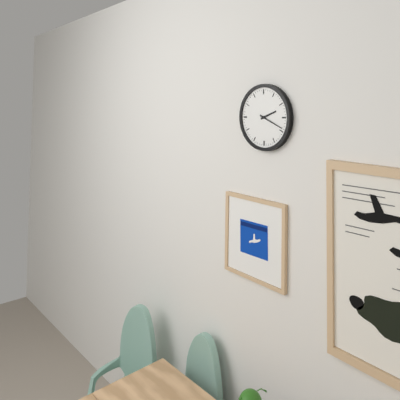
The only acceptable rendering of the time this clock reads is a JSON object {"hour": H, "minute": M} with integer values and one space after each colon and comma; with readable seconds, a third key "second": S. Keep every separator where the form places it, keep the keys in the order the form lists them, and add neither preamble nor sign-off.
{"hour": 2, "minute": 19}
